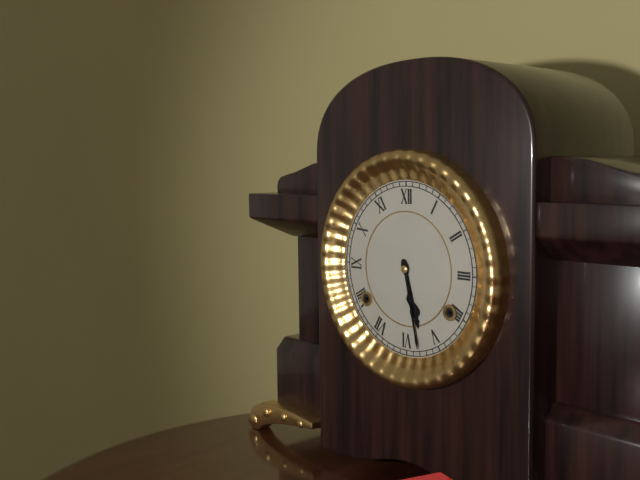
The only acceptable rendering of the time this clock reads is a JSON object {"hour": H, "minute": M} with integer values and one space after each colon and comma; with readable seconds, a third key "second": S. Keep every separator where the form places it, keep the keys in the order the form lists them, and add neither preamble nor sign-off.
{"hour": 5, "minute": 28}
